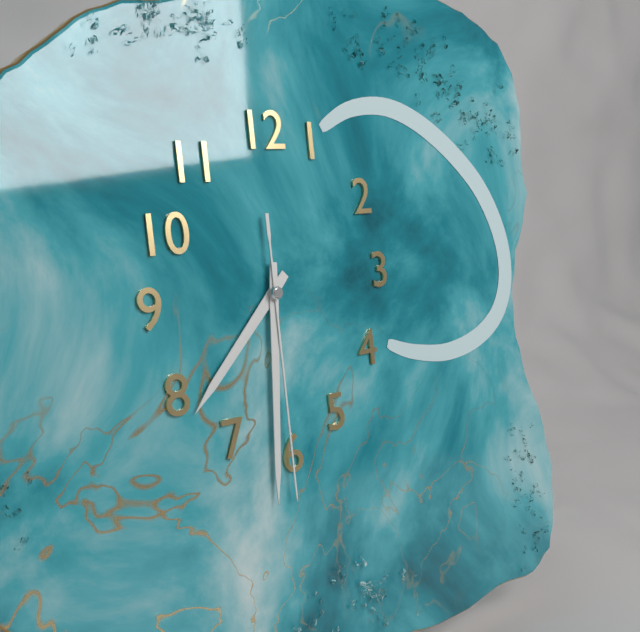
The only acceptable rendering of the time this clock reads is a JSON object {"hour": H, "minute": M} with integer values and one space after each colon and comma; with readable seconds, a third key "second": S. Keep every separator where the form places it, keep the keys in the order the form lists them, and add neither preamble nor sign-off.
{"hour": 7, "minute": 31, "second": 30}
